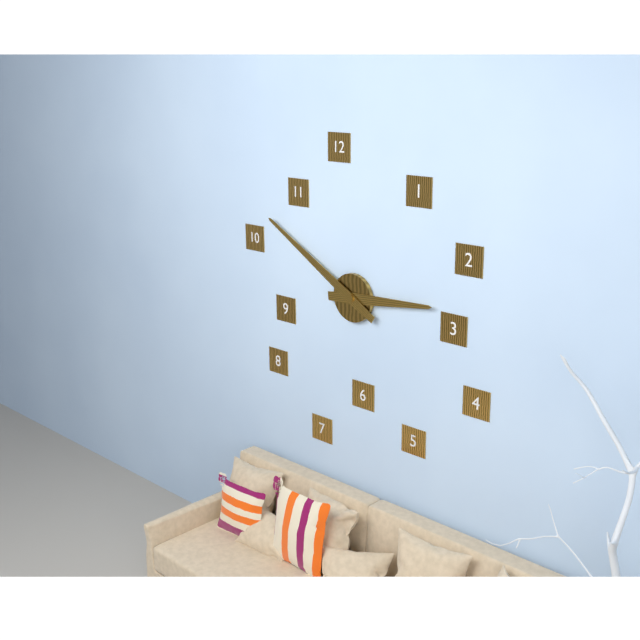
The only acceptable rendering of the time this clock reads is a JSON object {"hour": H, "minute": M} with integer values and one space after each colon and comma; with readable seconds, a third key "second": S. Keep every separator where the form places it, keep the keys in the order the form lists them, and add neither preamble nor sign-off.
{"hour": 2, "minute": 50}
